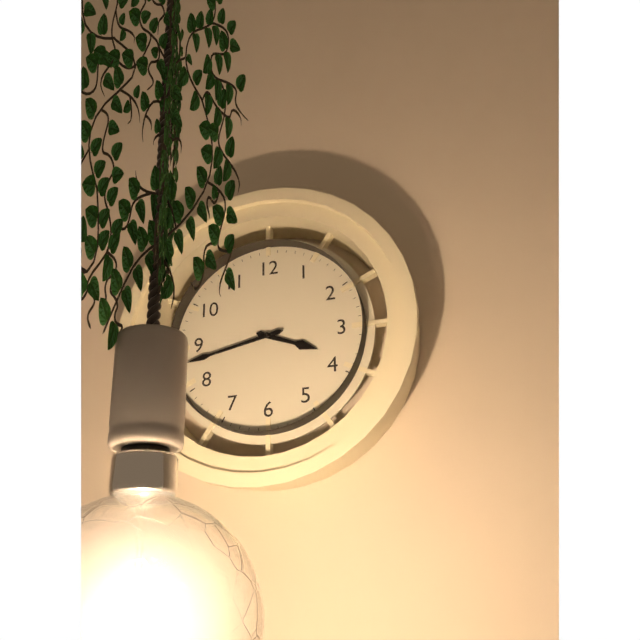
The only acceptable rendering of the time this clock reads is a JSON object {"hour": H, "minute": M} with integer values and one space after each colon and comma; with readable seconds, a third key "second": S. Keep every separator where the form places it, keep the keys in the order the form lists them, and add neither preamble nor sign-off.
{"hour": 3, "minute": 43}
